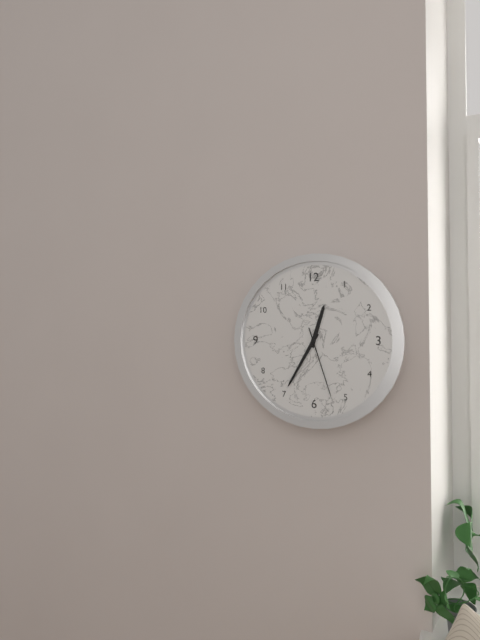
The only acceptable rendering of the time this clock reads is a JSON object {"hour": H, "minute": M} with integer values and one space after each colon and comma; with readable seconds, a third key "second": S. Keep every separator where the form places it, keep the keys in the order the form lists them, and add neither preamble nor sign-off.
{"hour": 12, "minute": 35, "second": 27}
